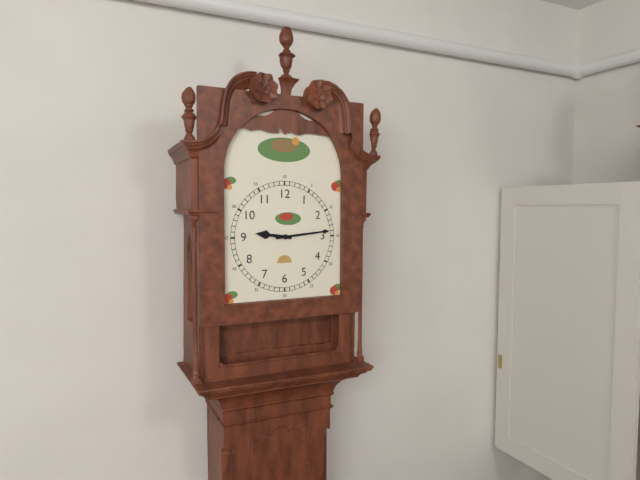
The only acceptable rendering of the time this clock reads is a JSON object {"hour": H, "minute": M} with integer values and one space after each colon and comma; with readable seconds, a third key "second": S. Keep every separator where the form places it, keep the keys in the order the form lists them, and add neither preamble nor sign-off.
{"hour": 9, "minute": 14}
